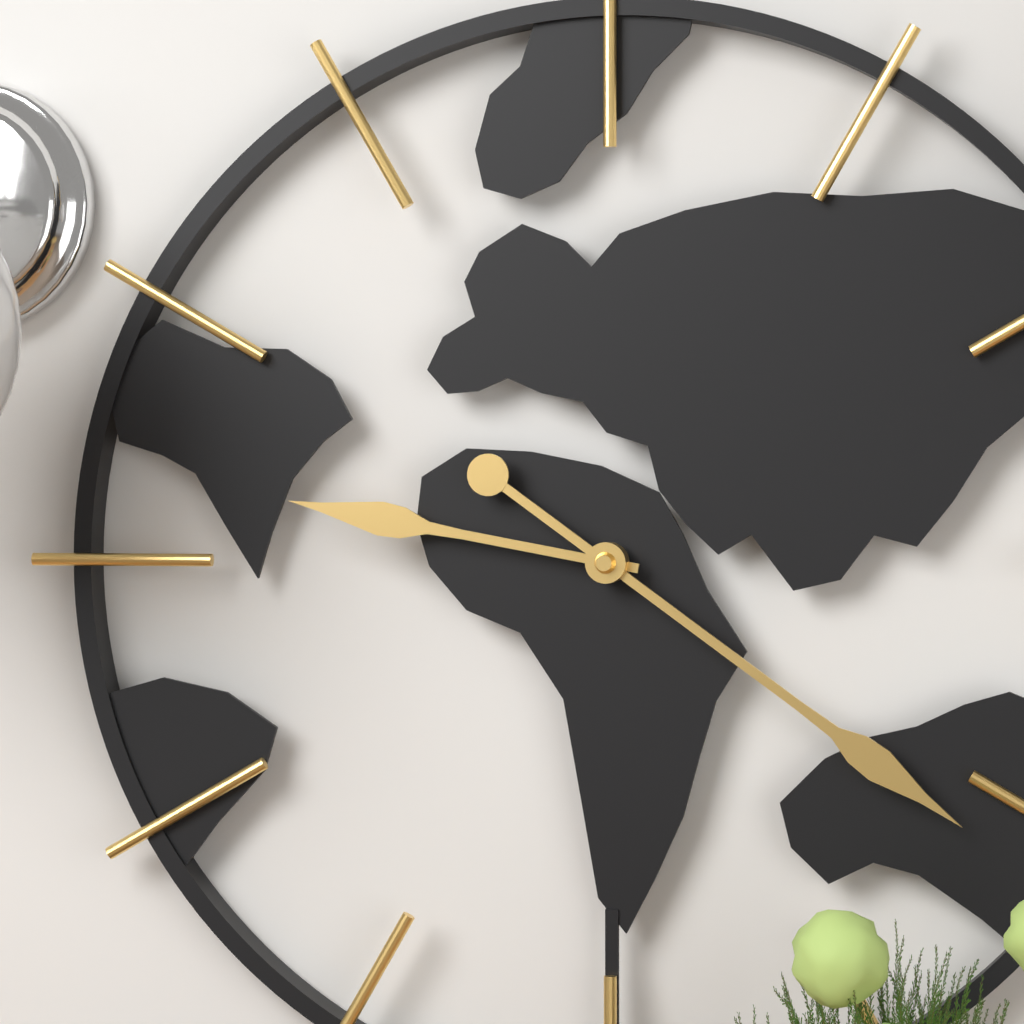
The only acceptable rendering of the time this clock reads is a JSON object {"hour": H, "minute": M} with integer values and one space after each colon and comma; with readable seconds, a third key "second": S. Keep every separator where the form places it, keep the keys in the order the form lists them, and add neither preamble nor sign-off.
{"hour": 9, "minute": 21}
